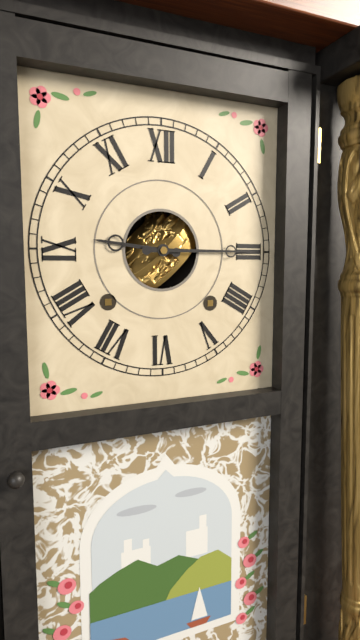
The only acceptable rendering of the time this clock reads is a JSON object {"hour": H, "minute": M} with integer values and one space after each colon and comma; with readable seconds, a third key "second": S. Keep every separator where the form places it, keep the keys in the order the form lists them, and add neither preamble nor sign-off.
{"hour": 9, "minute": 15}
